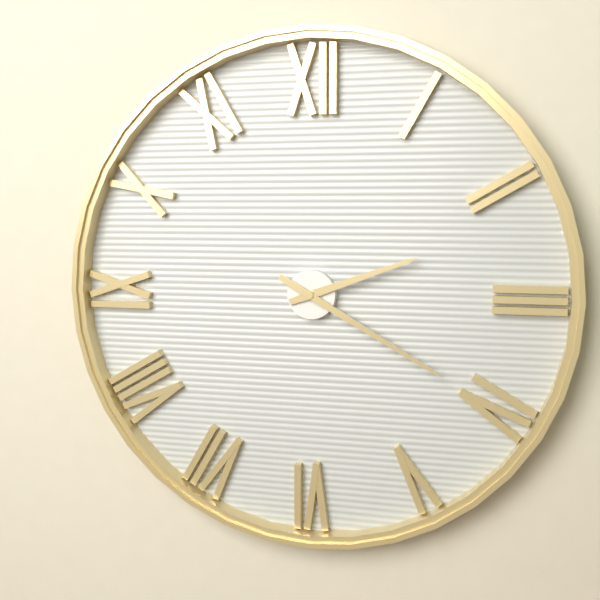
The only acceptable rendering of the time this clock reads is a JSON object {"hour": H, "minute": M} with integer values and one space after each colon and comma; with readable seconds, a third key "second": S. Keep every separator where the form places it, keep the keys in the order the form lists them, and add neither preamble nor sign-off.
{"hour": 2, "minute": 20}
